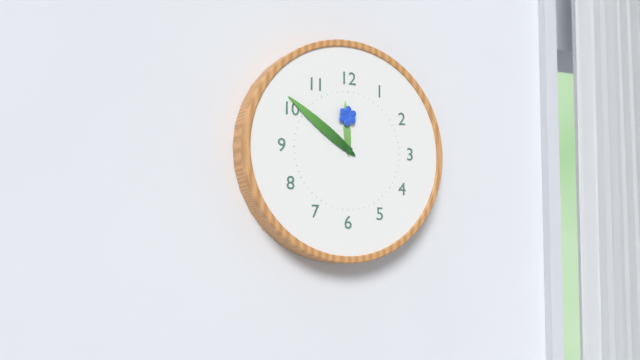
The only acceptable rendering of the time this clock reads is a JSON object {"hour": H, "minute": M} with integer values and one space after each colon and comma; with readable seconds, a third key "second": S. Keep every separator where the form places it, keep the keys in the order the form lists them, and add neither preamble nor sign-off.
{"hour": 11, "minute": 51}
